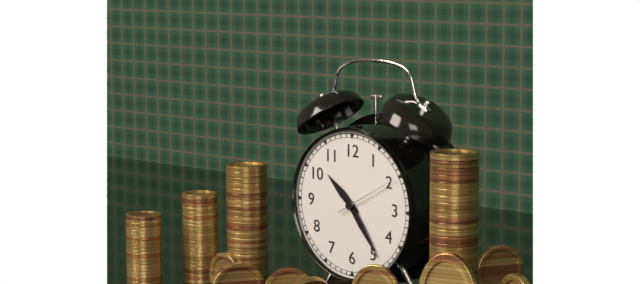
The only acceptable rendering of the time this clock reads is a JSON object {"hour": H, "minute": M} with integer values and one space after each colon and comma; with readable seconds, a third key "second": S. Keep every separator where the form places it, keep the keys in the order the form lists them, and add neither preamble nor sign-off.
{"hour": 10, "minute": 24, "second": 10}
